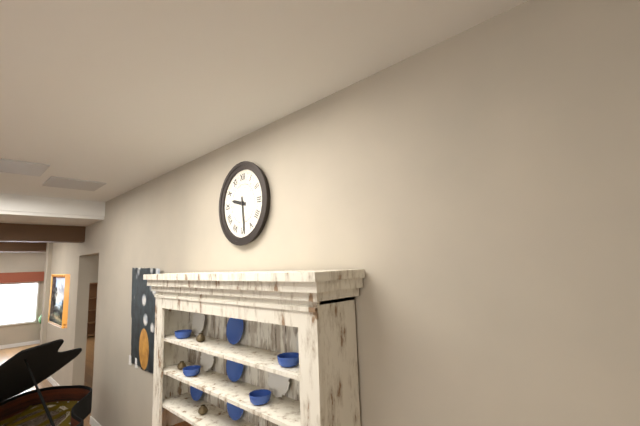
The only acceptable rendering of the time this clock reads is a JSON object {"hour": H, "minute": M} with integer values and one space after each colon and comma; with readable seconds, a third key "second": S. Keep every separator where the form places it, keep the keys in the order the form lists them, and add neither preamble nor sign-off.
{"hour": 9, "minute": 29}
